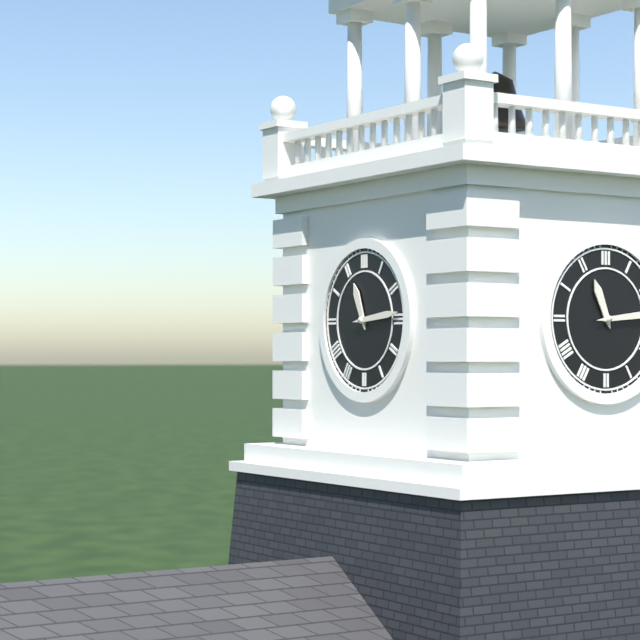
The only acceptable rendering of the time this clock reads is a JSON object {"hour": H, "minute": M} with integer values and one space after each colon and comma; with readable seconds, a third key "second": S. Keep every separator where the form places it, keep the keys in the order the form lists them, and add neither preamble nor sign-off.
{"hour": 11, "minute": 14}
